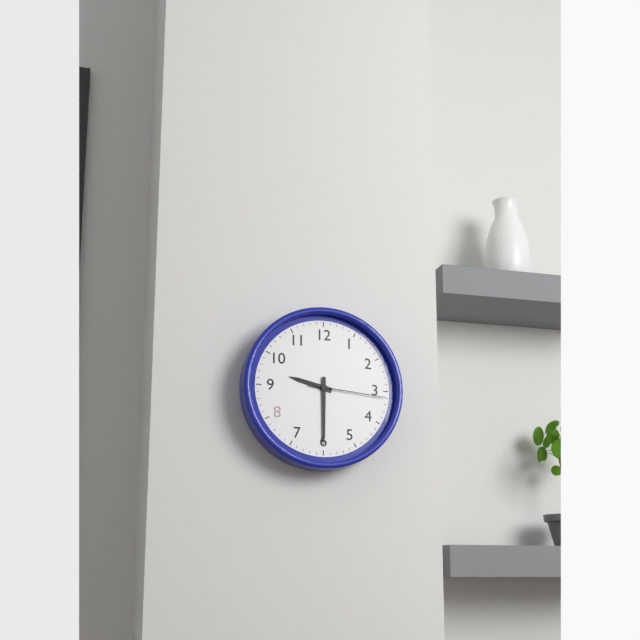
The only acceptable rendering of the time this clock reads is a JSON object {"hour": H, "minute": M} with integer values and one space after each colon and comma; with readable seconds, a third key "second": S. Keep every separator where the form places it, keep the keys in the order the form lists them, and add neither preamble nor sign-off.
{"hour": 9, "minute": 30, "second": 16}
